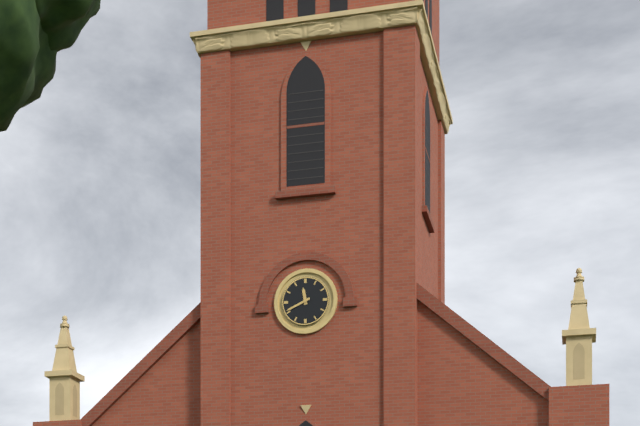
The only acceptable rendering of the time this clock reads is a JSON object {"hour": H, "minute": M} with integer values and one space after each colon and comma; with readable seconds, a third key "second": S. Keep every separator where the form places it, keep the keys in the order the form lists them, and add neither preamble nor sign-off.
{"hour": 11, "minute": 41}
